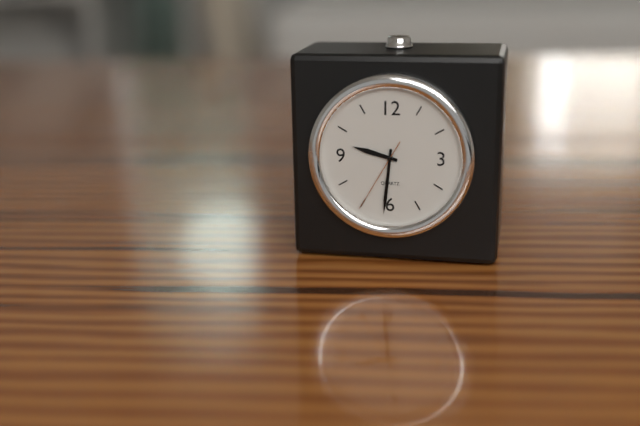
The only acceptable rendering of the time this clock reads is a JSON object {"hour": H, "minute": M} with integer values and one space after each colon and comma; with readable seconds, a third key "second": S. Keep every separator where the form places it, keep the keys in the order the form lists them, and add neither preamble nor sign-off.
{"hour": 9, "minute": 31, "second": 35}
